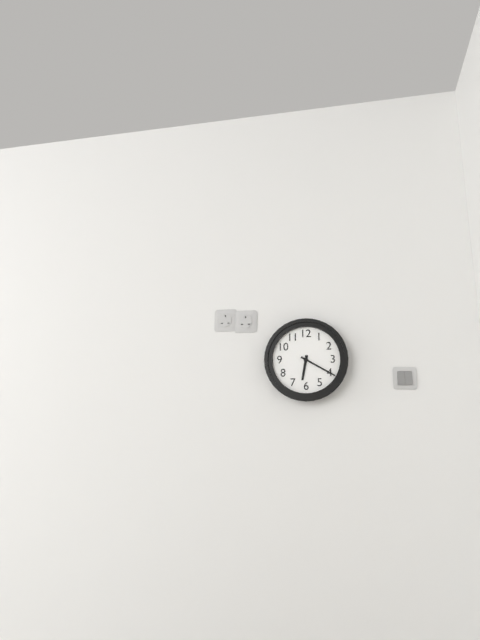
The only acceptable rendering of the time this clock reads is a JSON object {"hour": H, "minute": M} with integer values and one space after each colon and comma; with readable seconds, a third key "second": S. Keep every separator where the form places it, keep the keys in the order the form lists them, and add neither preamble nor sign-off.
{"hour": 6, "minute": 20}
